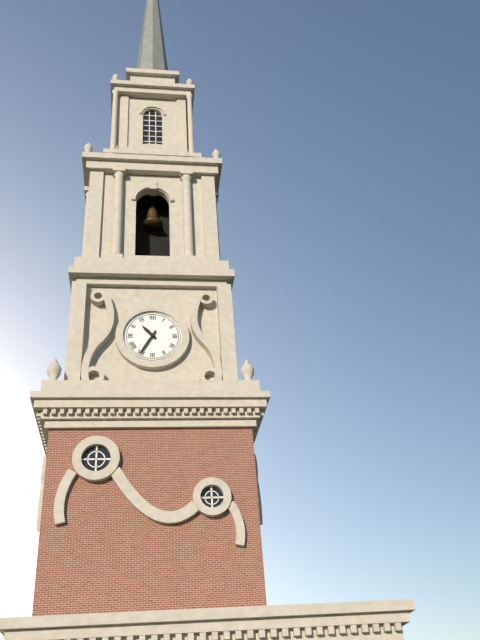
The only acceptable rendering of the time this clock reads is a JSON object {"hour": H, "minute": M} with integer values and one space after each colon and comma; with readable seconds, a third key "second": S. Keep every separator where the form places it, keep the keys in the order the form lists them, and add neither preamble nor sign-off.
{"hour": 10, "minute": 35}
